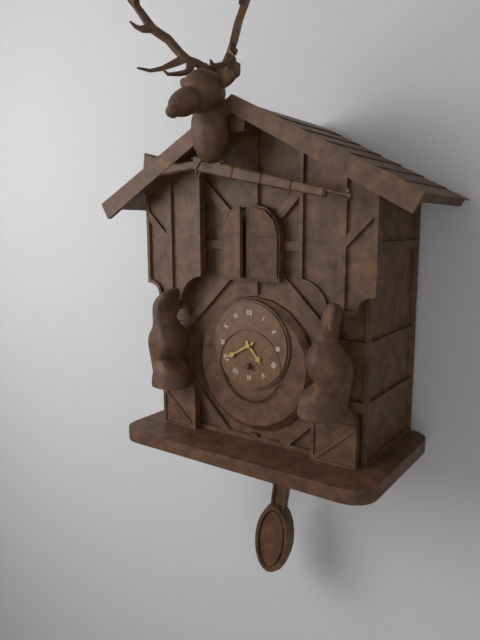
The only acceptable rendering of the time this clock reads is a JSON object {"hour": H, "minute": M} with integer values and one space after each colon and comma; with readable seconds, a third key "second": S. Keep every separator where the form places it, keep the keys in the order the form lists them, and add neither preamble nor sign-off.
{"hour": 4, "minute": 40}
